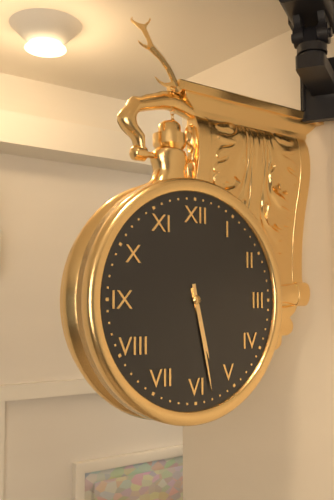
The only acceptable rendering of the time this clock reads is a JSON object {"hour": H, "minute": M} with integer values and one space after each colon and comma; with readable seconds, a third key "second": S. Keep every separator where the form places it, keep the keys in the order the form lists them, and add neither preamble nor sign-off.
{"hour": 5, "minute": 28}
